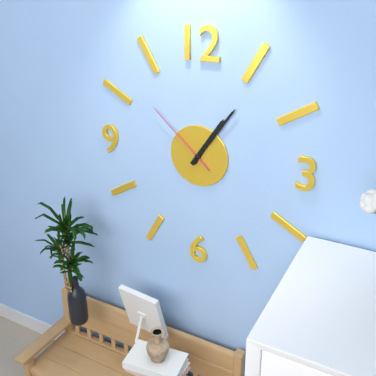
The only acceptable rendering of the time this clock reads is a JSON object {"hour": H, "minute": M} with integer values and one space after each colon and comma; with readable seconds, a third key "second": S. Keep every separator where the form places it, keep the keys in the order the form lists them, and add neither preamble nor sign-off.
{"hour": 1, "minute": 6, "second": 52}
